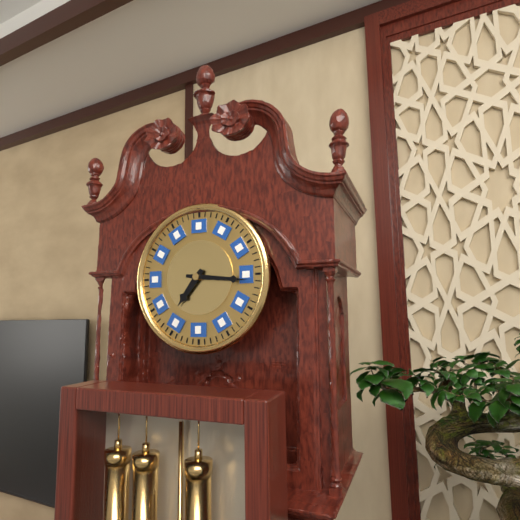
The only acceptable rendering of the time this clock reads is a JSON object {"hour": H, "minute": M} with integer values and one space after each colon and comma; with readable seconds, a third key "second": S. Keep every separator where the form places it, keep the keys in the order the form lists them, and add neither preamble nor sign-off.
{"hour": 7, "minute": 16}
